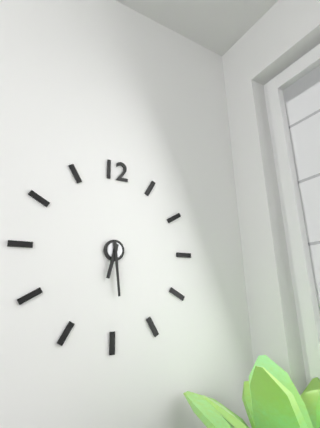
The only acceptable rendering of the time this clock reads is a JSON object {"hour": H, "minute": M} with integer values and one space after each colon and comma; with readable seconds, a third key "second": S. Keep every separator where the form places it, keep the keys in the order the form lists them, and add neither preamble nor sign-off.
{"hour": 6, "minute": 29}
